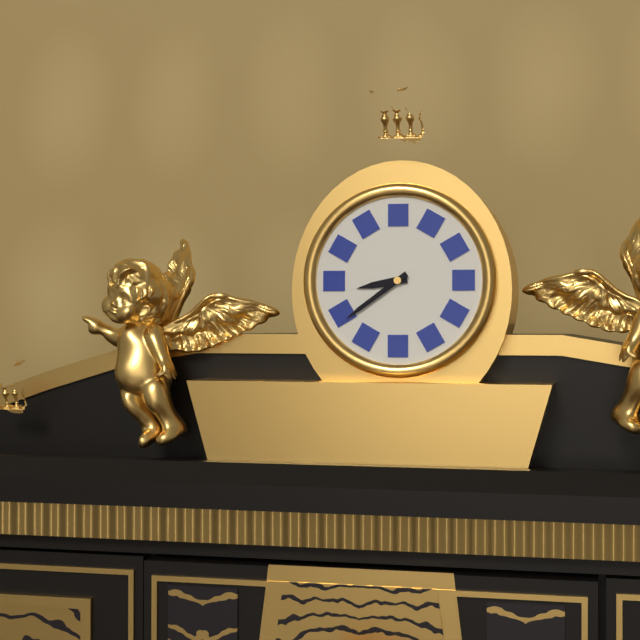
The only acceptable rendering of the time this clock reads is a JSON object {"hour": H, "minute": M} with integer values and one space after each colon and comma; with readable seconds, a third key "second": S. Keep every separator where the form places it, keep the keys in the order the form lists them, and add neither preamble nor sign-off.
{"hour": 8, "minute": 39}
